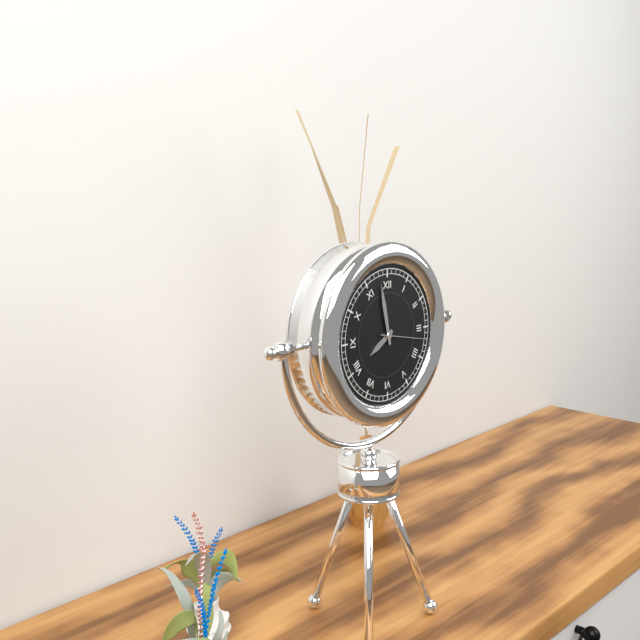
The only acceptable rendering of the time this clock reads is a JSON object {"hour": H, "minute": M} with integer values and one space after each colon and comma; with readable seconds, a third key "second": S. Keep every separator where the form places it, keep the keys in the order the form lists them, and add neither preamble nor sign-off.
{"hour": 7, "minute": 58}
